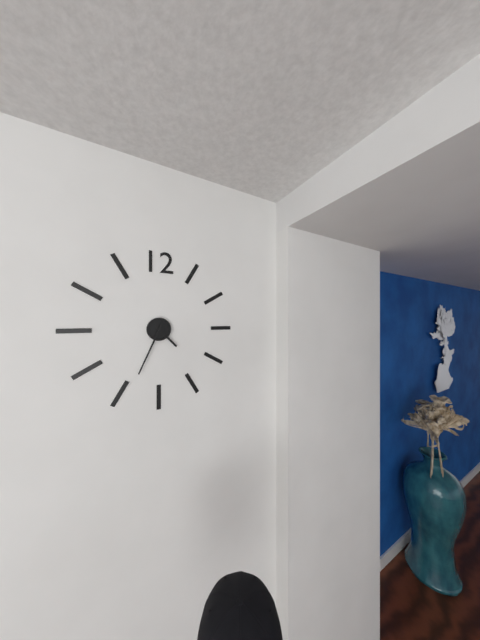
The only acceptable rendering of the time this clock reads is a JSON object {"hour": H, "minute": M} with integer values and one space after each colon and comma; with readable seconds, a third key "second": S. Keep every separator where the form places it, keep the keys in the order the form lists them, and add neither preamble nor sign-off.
{"hour": 4, "minute": 34}
